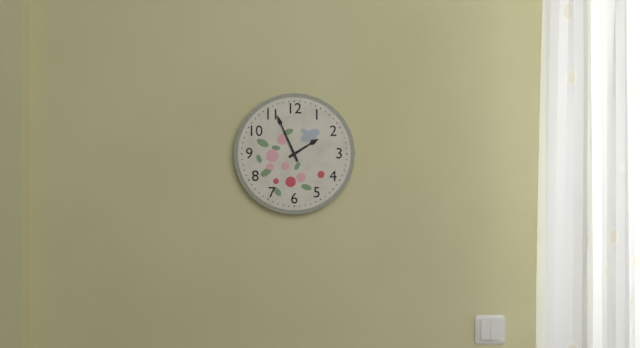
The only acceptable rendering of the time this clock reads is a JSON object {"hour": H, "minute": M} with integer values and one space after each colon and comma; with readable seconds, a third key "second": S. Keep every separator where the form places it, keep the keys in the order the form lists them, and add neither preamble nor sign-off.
{"hour": 1, "minute": 56}
